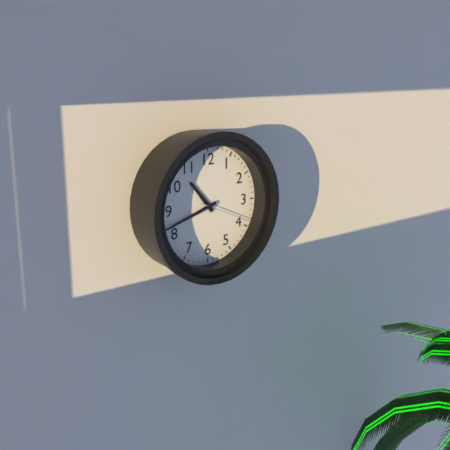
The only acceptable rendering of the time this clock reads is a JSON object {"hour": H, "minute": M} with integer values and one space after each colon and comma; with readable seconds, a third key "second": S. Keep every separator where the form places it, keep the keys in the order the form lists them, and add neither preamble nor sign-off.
{"hour": 10, "minute": 42, "second": 19}
